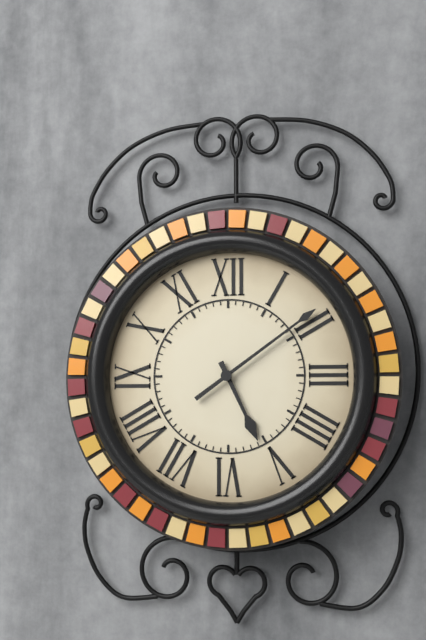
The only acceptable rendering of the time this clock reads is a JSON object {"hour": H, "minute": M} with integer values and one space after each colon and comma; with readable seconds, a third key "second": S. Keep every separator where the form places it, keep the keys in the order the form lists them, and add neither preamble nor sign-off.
{"hour": 5, "minute": 9}
